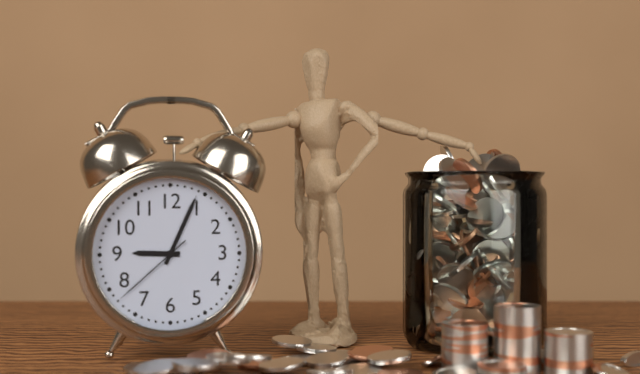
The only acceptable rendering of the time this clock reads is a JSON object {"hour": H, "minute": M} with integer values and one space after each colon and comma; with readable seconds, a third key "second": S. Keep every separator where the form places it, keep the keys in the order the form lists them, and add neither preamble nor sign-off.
{"hour": 9, "minute": 4, "second": 38}
